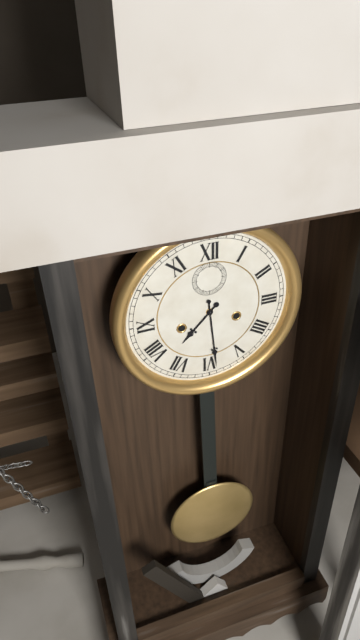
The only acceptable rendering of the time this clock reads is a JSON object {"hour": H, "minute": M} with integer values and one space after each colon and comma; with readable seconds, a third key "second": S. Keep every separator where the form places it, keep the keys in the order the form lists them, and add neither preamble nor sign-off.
{"hour": 7, "minute": 29}
